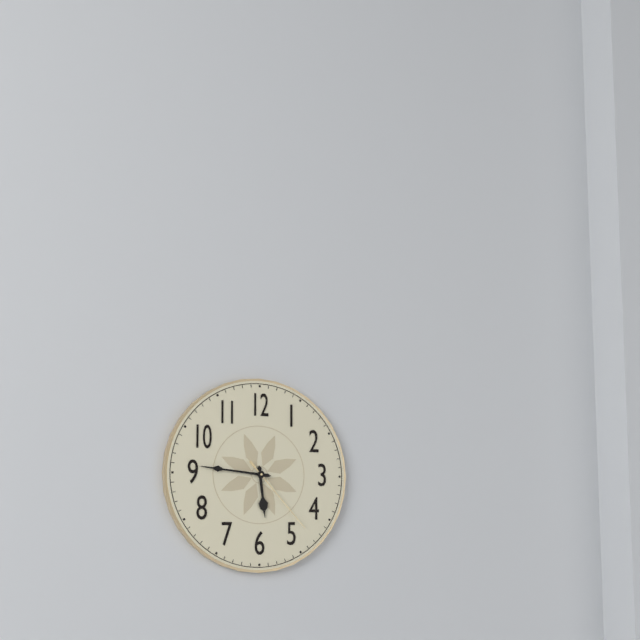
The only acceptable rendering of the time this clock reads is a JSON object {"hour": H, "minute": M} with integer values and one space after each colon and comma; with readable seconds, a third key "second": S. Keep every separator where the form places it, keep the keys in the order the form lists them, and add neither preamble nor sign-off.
{"hour": 5, "minute": 46, "second": 23}
